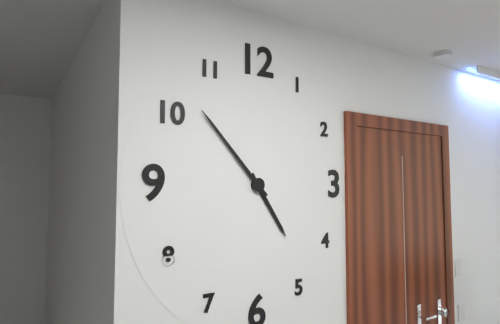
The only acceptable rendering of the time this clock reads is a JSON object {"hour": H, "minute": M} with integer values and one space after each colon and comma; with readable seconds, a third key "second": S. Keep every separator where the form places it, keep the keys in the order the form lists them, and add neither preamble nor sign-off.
{"hour": 4, "minute": 53}
